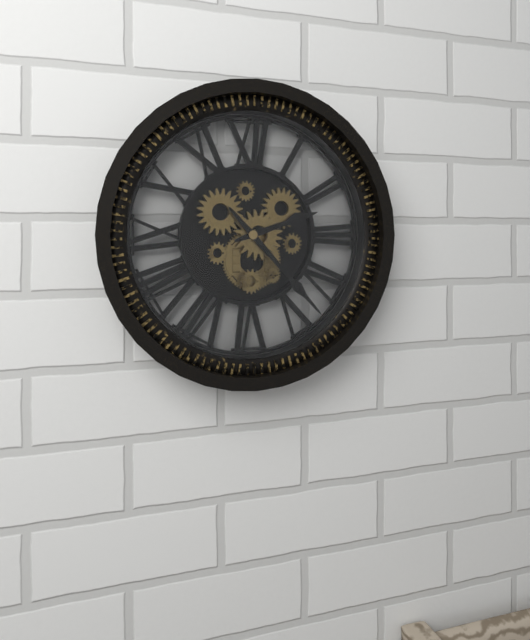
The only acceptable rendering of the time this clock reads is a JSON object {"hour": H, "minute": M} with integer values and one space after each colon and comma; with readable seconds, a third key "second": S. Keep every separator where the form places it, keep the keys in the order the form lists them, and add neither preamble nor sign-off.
{"hour": 2, "minute": 23}
